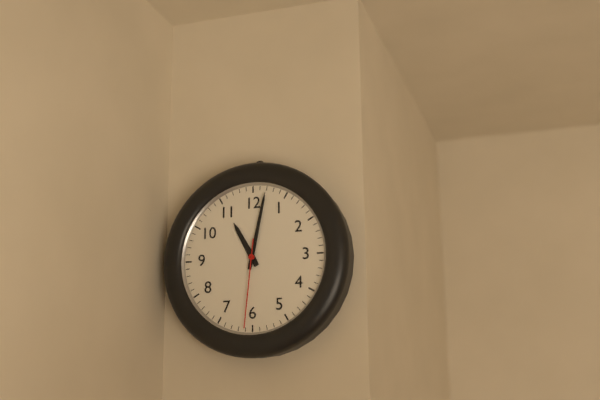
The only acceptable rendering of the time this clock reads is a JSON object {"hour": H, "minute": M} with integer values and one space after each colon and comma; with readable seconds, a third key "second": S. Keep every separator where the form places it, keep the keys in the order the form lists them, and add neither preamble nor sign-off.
{"hour": 11, "minute": 2, "second": 31}
